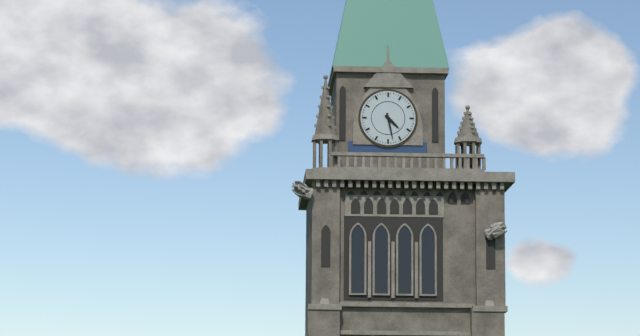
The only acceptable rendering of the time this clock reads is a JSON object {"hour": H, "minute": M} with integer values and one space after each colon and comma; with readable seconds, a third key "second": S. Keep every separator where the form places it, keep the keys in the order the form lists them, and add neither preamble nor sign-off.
{"hour": 4, "minute": 28}
